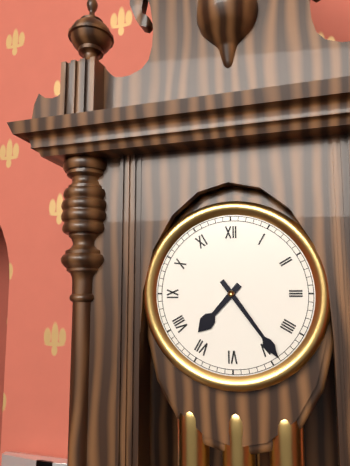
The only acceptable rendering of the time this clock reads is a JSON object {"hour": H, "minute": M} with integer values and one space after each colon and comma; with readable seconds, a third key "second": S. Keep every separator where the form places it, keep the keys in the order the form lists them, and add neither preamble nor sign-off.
{"hour": 7, "minute": 24}
